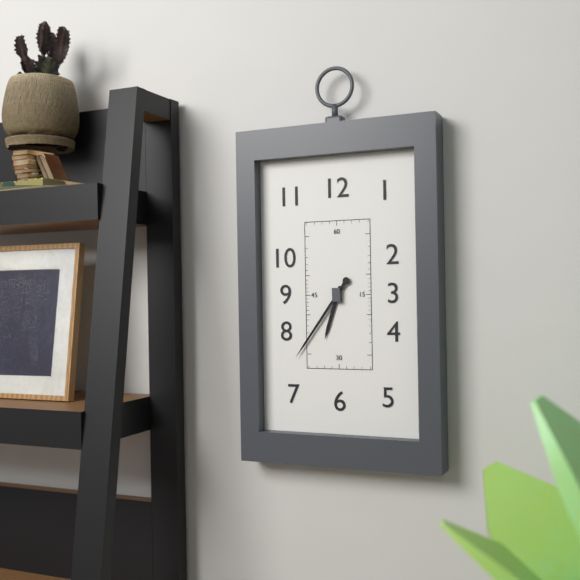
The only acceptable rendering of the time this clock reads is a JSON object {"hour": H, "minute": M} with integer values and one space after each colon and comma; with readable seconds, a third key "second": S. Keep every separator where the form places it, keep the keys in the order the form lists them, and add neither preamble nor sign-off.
{"hour": 6, "minute": 36}
